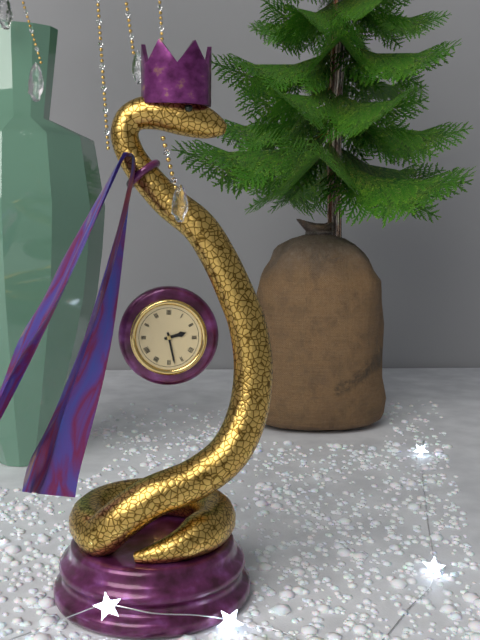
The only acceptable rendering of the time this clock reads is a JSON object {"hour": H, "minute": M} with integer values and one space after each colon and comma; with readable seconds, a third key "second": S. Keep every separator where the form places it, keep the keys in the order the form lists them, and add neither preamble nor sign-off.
{"hour": 2, "minute": 28}
